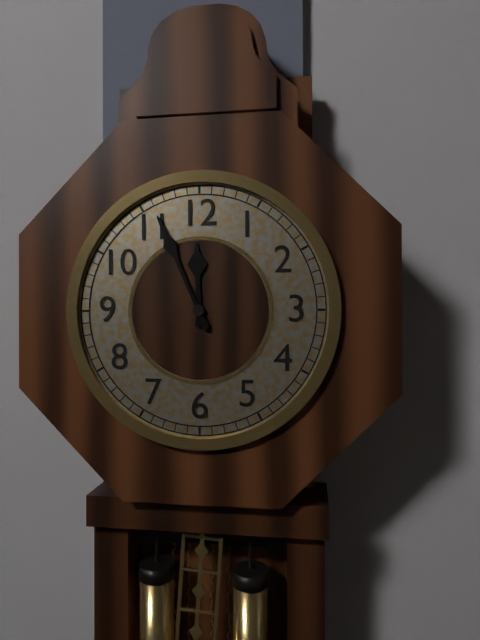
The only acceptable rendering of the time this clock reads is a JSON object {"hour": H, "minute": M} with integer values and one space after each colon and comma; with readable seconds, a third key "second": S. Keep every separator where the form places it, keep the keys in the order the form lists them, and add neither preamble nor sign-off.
{"hour": 11, "minute": 56}
